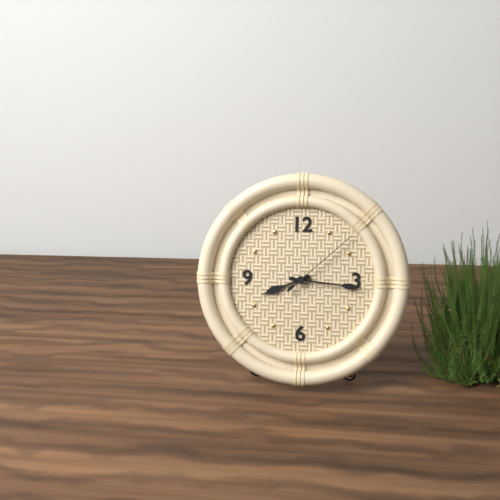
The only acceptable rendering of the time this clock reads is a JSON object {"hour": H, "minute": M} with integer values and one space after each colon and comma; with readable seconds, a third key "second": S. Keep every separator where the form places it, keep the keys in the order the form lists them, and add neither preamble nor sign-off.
{"hour": 8, "minute": 16, "second": 8}
